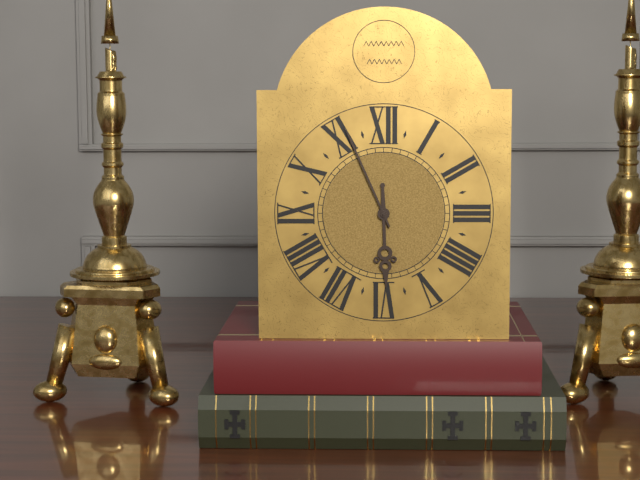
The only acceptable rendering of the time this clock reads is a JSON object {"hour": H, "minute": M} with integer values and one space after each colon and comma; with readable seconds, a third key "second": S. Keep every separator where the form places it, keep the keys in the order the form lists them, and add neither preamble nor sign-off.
{"hour": 5, "minute": 56}
